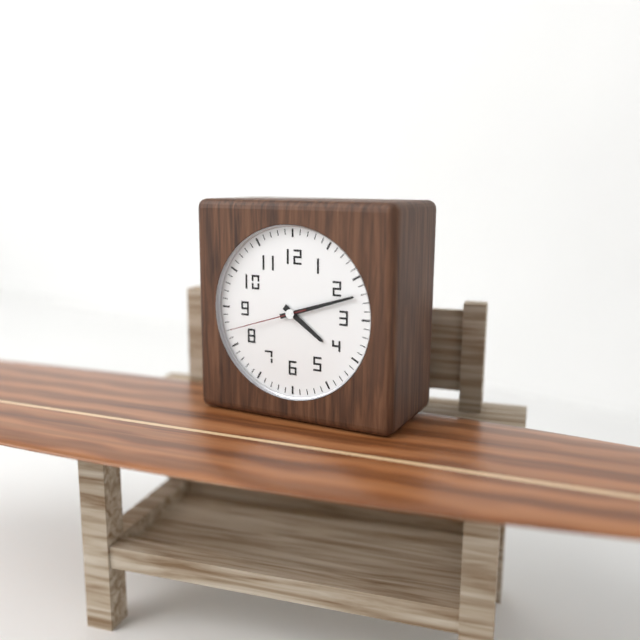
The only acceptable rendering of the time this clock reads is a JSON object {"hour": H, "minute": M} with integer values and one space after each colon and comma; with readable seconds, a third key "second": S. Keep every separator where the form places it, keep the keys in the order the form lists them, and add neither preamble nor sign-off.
{"hour": 4, "minute": 12, "second": 42}
